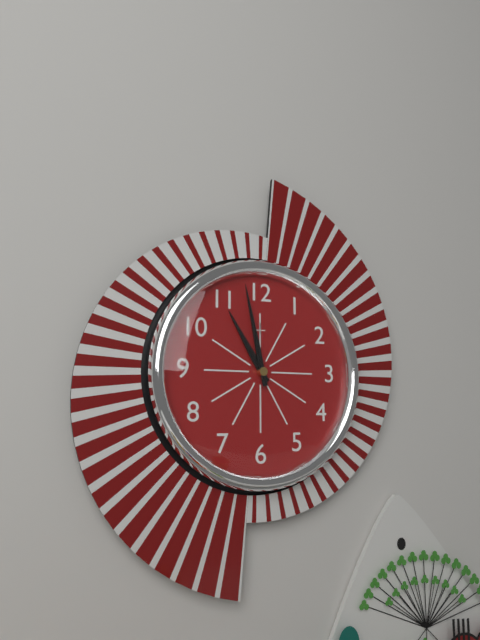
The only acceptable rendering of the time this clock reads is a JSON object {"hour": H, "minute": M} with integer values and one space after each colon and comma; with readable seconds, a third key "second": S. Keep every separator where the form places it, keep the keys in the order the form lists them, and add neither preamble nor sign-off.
{"hour": 10, "minute": 58}
